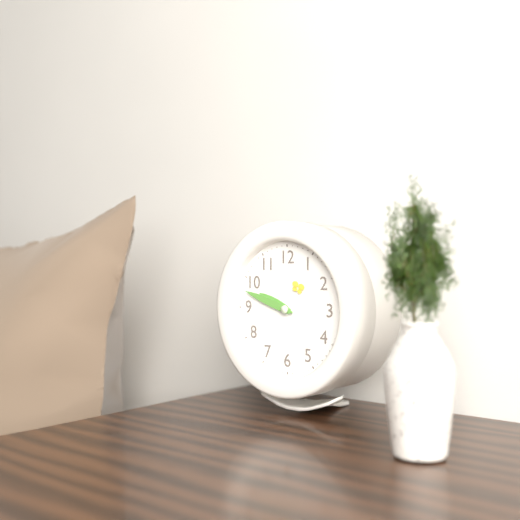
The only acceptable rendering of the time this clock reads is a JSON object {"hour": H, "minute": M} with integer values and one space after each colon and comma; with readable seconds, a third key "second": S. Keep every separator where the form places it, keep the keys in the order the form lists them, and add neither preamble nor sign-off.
{"hour": 9, "minute": 48}
